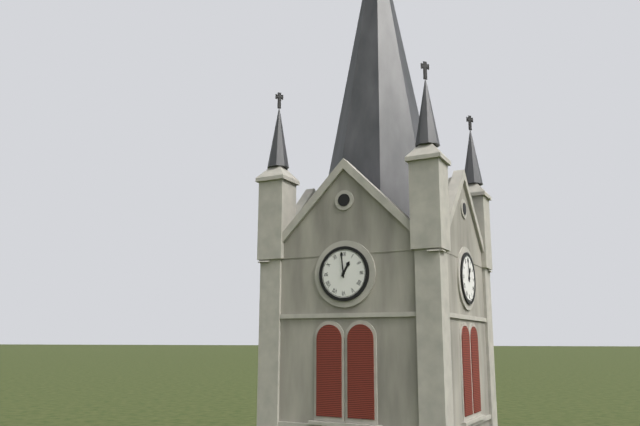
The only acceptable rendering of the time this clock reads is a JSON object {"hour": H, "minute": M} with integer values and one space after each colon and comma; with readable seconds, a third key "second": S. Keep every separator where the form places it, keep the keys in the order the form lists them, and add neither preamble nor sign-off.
{"hour": 12, "minute": 59}
